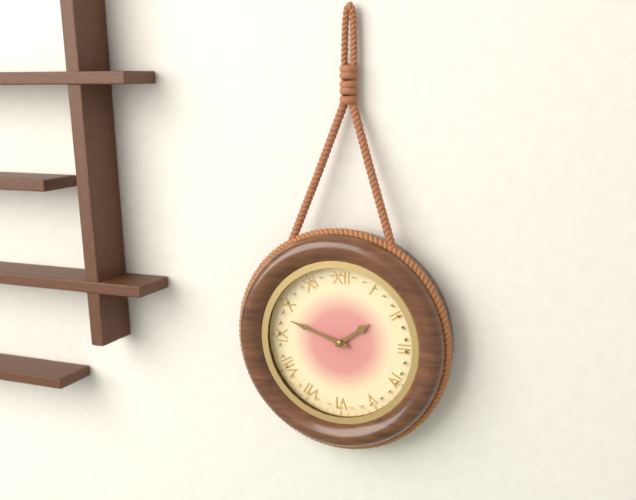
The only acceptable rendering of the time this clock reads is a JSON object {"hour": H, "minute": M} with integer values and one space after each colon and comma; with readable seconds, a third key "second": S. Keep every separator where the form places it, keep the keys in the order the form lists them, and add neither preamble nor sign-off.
{"hour": 1, "minute": 48}
